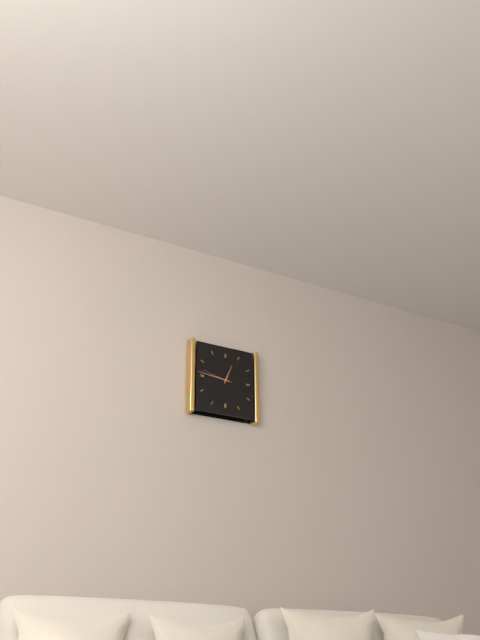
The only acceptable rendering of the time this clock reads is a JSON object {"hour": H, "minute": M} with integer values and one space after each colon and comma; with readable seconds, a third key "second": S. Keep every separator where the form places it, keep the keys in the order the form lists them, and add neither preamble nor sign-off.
{"hour": 12, "minute": 46}
